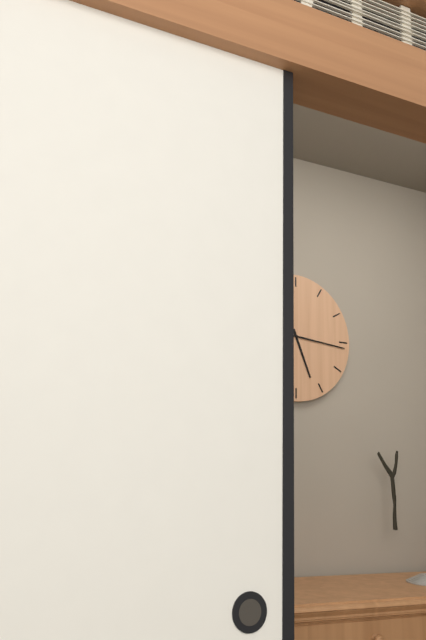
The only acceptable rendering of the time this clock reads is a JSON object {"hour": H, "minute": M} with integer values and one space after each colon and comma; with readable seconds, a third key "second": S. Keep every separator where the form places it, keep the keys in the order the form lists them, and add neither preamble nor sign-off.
{"hour": 5, "minute": 16}
